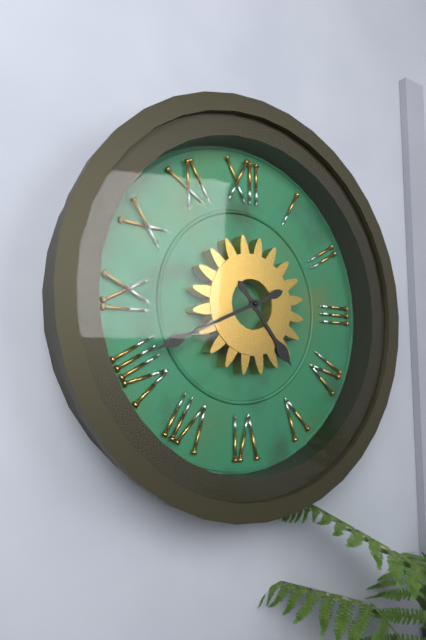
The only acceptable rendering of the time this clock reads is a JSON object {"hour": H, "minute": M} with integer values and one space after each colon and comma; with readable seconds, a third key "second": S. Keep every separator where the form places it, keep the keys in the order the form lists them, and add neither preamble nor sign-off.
{"hour": 4, "minute": 41}
